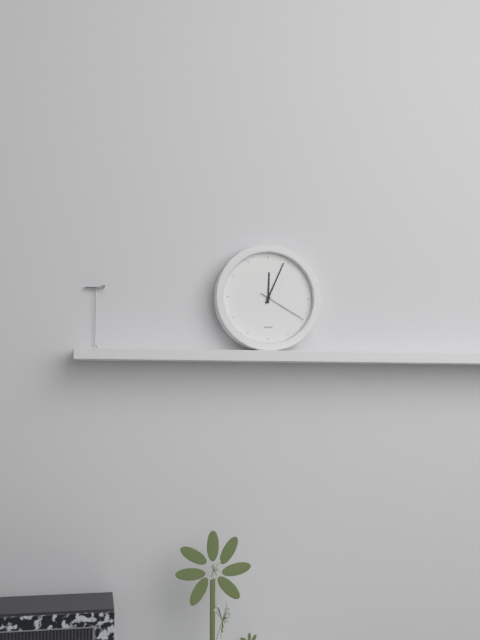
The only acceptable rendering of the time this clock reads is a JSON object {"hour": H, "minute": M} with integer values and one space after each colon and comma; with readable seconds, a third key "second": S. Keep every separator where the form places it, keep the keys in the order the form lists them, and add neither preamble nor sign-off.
{"hour": 12, "minute": 4, "second": 20}
